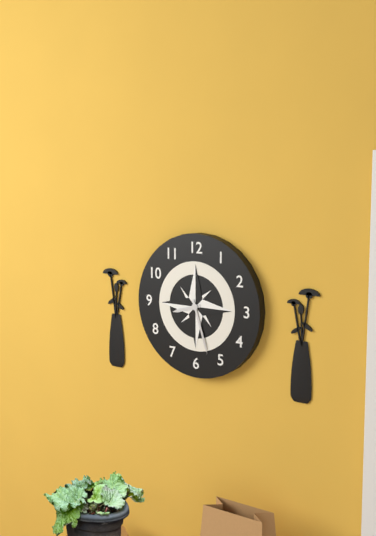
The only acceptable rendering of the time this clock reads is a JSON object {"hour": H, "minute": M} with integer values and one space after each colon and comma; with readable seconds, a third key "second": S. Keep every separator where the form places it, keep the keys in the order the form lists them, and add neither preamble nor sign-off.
{"hour": 8, "minute": 27}
